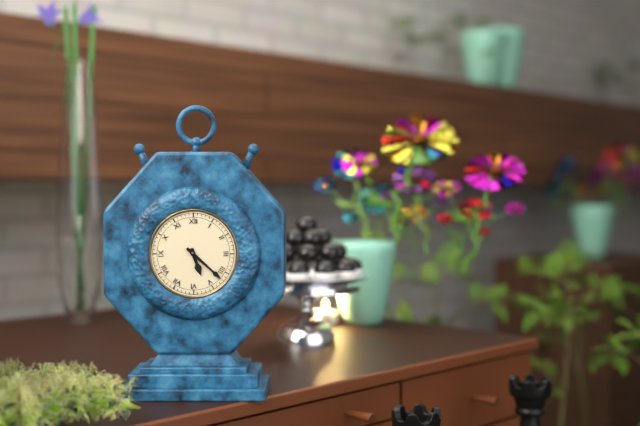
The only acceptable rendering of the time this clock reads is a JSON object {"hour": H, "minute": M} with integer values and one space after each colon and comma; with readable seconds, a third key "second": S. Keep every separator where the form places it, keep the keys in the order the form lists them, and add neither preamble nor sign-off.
{"hour": 5, "minute": 22}
